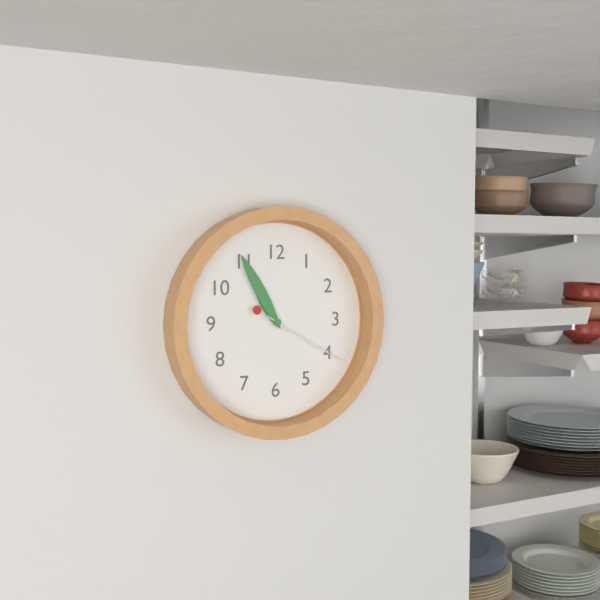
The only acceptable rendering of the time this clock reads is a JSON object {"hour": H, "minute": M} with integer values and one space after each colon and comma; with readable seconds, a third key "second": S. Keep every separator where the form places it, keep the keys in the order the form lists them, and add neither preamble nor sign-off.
{"hour": 10, "minute": 55, "second": 20}
